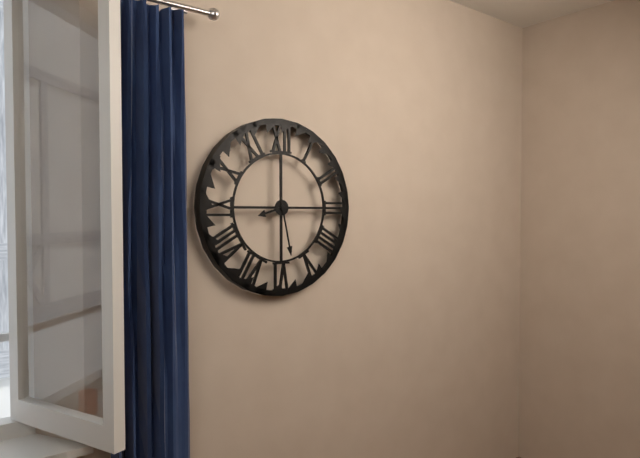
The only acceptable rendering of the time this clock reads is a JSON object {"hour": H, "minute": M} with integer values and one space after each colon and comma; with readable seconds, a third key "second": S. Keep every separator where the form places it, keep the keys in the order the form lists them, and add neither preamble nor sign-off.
{"hour": 8, "minute": 28}
